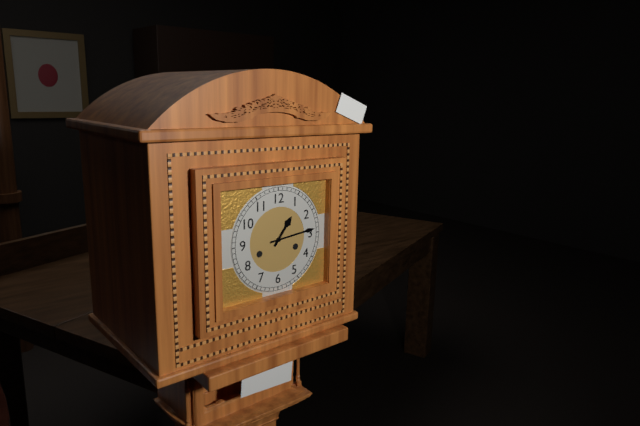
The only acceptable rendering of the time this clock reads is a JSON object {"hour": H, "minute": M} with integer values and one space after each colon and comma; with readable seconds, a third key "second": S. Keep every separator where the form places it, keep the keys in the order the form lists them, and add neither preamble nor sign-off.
{"hour": 1, "minute": 14}
